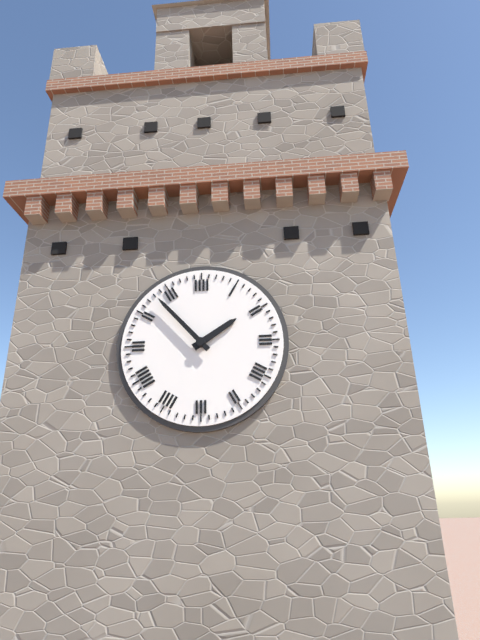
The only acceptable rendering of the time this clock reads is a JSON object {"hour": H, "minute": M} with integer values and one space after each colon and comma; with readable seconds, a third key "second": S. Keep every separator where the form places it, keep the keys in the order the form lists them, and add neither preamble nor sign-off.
{"hour": 1, "minute": 53}
